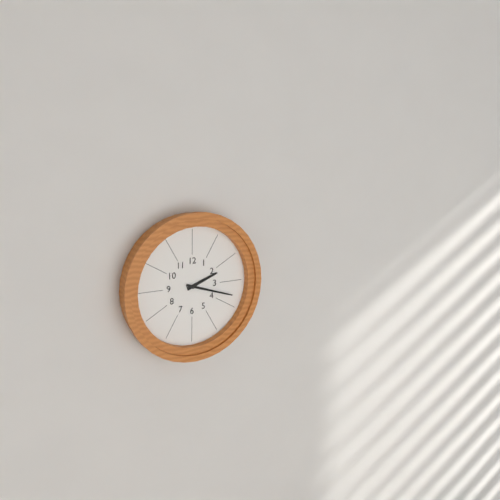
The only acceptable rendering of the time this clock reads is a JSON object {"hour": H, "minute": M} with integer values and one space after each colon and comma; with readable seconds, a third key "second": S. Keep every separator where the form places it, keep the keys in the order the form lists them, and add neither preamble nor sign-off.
{"hour": 2, "minute": 18}
